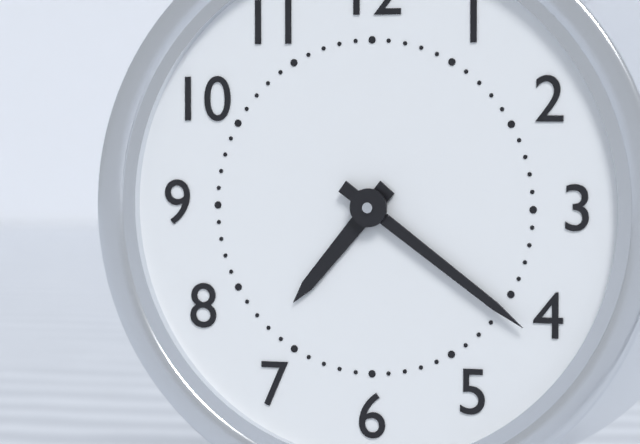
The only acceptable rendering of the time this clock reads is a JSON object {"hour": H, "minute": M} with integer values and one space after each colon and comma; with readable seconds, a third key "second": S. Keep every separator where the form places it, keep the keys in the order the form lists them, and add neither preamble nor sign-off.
{"hour": 7, "minute": 21}
